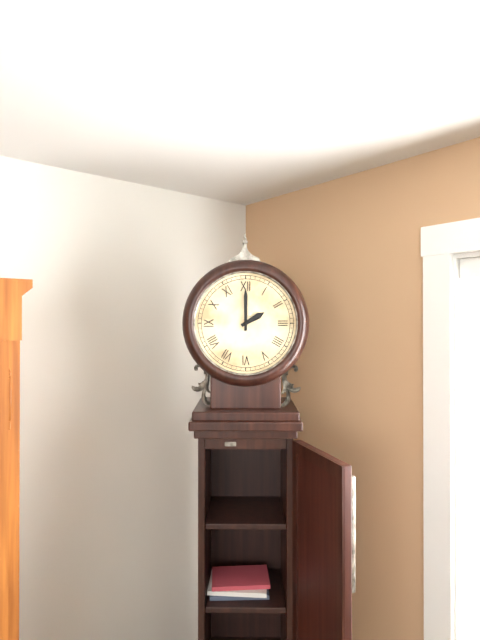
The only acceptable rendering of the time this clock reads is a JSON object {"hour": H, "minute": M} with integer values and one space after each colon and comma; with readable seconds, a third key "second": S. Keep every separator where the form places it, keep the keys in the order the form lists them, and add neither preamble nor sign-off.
{"hour": 2, "minute": 0}
